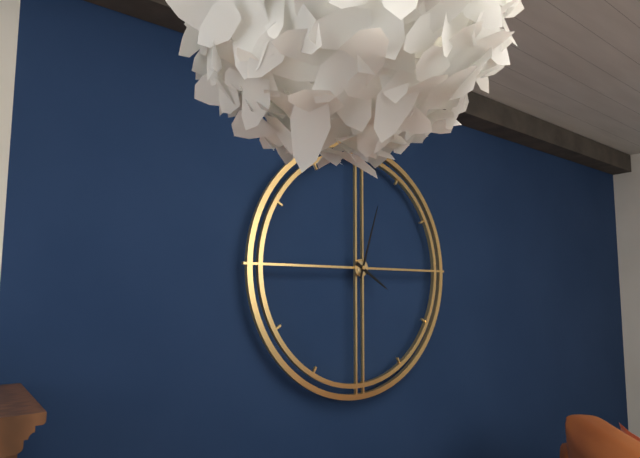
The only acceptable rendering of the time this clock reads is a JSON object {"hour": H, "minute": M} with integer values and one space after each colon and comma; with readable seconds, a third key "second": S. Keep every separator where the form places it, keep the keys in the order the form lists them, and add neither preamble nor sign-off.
{"hour": 4, "minute": 3}
